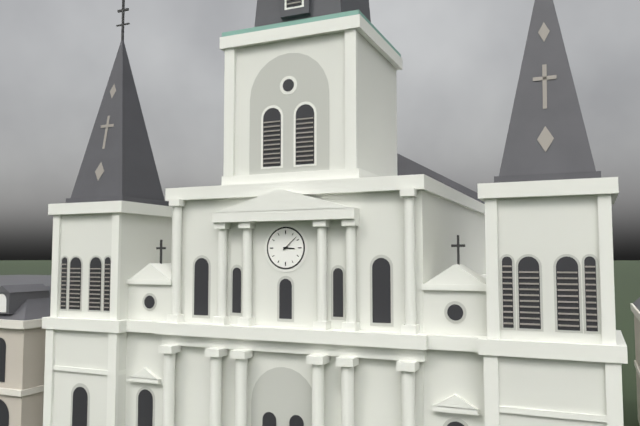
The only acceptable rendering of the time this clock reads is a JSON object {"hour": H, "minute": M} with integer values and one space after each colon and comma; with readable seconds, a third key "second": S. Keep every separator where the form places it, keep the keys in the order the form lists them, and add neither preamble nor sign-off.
{"hour": 3, "minute": 8}
